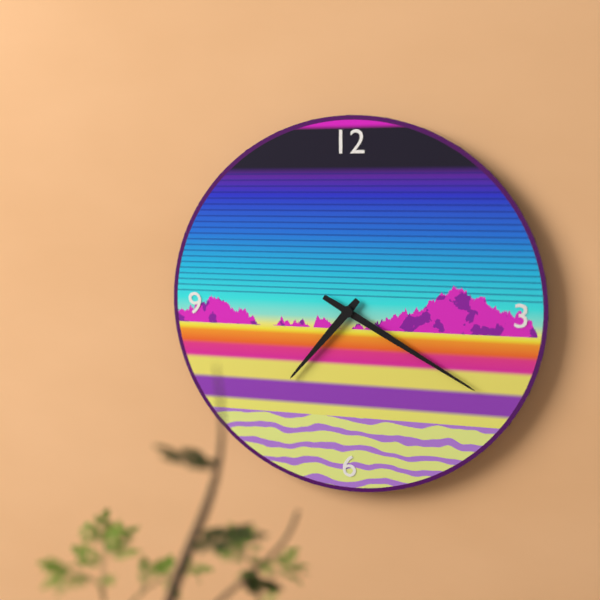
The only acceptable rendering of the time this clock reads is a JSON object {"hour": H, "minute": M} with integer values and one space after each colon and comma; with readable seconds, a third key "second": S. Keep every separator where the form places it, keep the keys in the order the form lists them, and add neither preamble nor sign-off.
{"hour": 7, "minute": 20}
